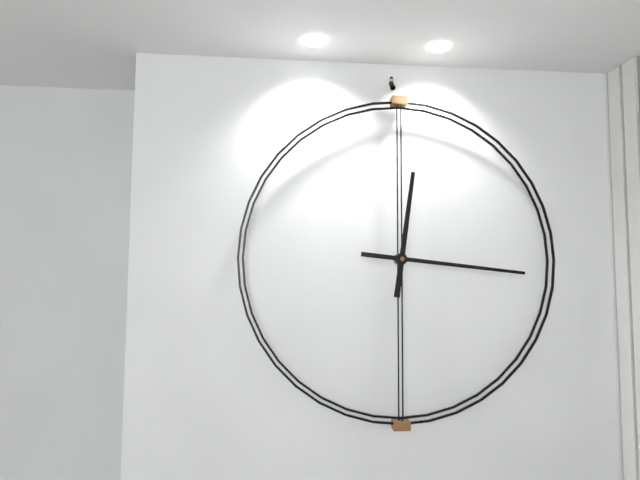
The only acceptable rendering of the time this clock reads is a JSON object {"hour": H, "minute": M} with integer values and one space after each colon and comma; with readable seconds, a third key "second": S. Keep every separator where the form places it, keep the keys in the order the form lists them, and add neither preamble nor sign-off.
{"hour": 12, "minute": 16}
